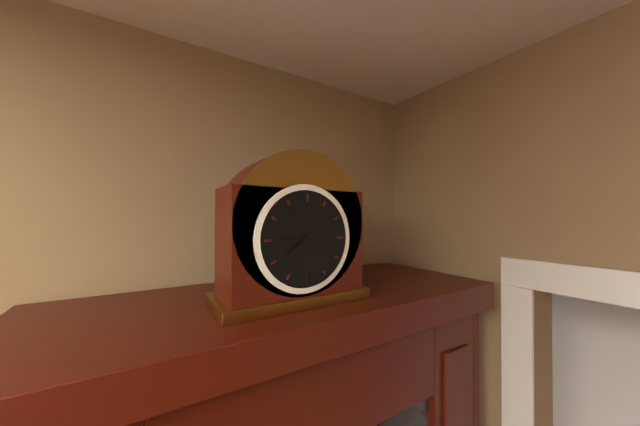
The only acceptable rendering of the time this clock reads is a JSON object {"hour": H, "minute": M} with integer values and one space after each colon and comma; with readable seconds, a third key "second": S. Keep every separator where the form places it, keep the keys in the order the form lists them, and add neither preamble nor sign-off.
{"hour": 7, "minute": 45}
